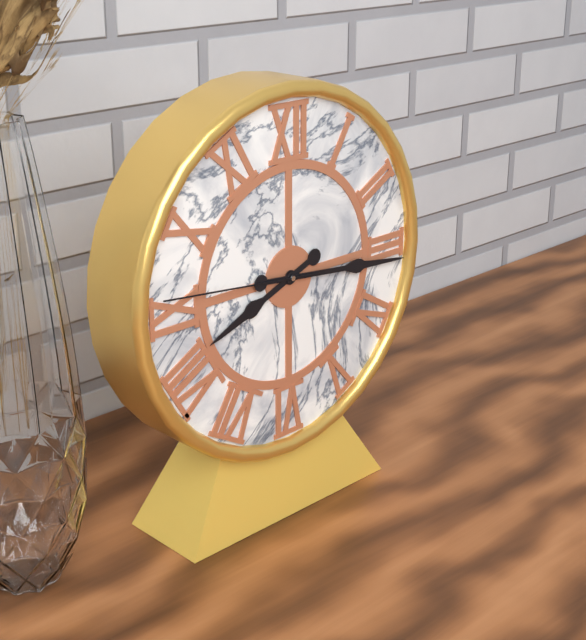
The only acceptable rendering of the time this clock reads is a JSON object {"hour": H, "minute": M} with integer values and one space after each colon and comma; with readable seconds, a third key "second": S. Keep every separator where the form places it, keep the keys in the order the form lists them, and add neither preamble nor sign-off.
{"hour": 8, "minute": 16, "second": 46}
